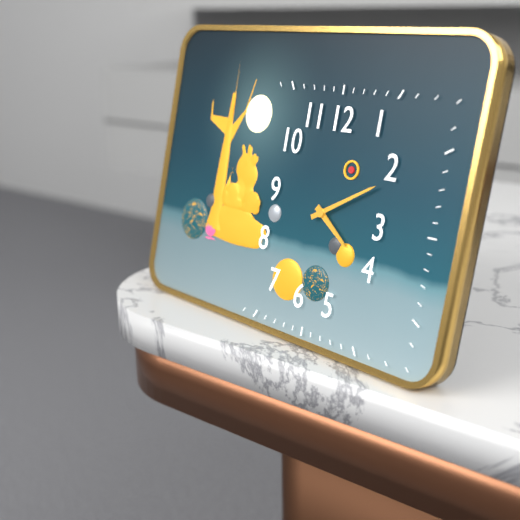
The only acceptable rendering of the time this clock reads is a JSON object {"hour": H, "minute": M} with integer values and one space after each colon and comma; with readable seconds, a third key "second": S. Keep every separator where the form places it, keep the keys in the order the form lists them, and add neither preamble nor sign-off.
{"hour": 4, "minute": 10}
